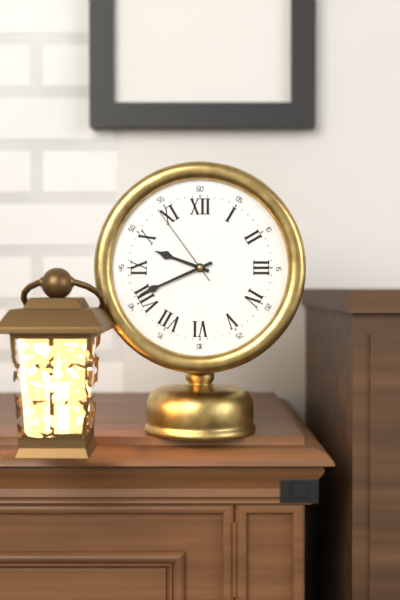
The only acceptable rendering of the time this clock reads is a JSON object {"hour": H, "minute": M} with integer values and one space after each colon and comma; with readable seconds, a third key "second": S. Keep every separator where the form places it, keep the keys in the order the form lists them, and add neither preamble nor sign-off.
{"hour": 9, "minute": 41, "second": 54}
